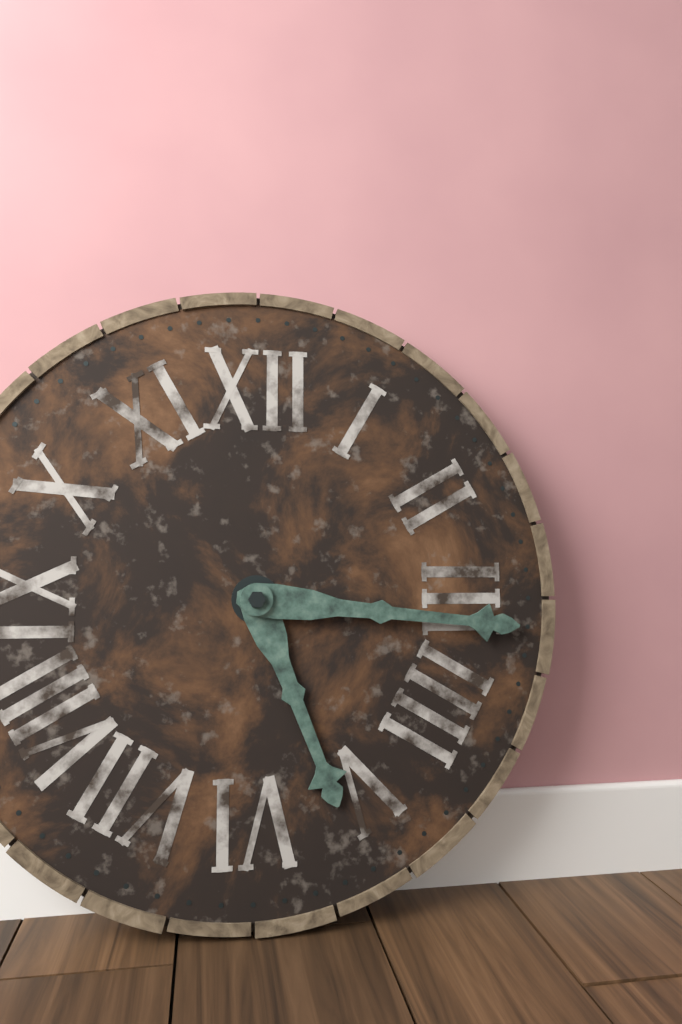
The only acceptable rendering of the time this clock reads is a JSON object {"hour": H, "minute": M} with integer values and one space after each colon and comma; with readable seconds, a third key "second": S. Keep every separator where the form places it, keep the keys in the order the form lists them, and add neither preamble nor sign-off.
{"hour": 5, "minute": 16}
